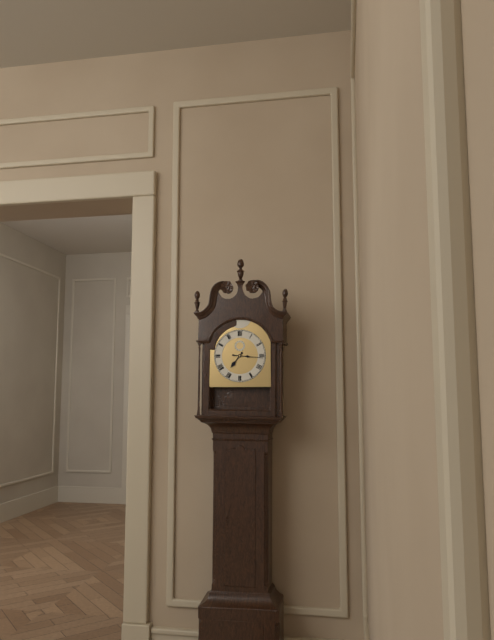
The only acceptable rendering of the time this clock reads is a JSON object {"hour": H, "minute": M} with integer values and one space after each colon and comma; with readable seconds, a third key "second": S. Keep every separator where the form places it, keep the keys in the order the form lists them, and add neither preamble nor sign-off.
{"hour": 7, "minute": 16}
